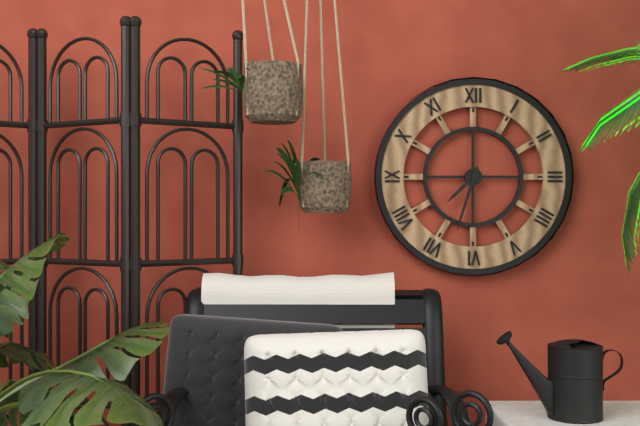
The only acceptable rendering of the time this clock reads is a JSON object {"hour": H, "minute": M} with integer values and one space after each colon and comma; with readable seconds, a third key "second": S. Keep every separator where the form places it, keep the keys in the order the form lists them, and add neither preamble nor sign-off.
{"hour": 7, "minute": 33}
